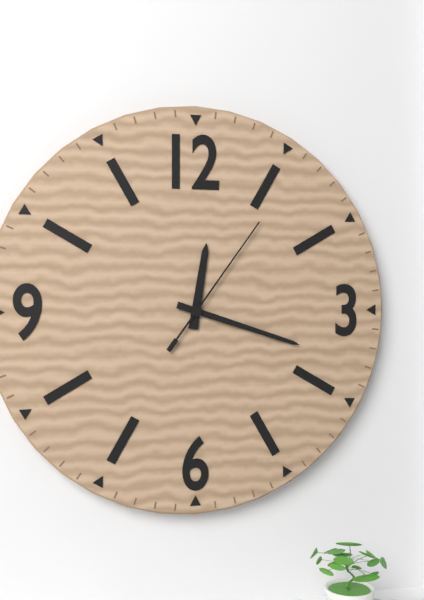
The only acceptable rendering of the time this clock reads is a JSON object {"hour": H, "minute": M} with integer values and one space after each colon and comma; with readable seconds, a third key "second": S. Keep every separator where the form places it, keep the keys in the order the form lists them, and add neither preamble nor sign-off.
{"hour": 12, "minute": 18, "second": 6}
